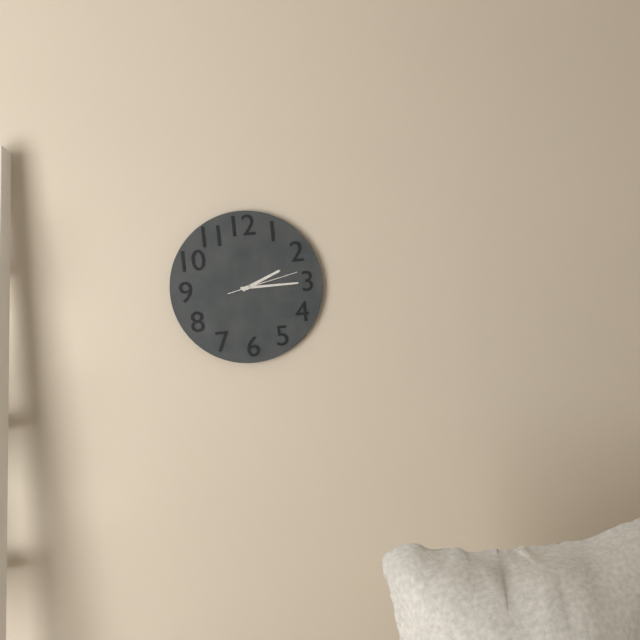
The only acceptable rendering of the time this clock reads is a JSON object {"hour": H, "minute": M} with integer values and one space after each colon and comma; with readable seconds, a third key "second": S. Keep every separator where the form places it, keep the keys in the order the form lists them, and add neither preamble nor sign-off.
{"hour": 2, "minute": 15, "second": 13}
